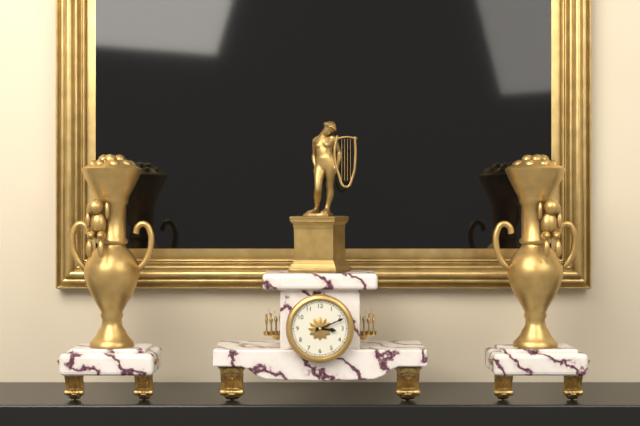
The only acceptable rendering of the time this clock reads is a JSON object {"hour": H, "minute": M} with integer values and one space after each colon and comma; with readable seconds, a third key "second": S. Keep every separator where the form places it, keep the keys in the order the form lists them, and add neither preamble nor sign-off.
{"hour": 3, "minute": 11}
